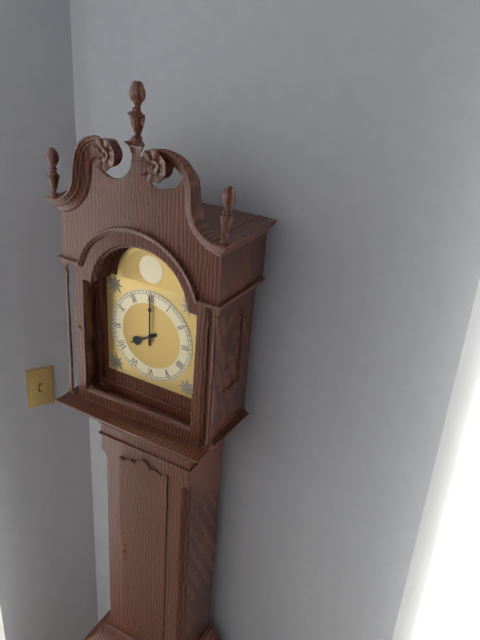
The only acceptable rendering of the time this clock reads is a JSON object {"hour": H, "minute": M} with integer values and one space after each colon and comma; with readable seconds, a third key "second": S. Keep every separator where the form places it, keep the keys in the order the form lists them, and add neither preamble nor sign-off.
{"hour": 8, "minute": 0}
